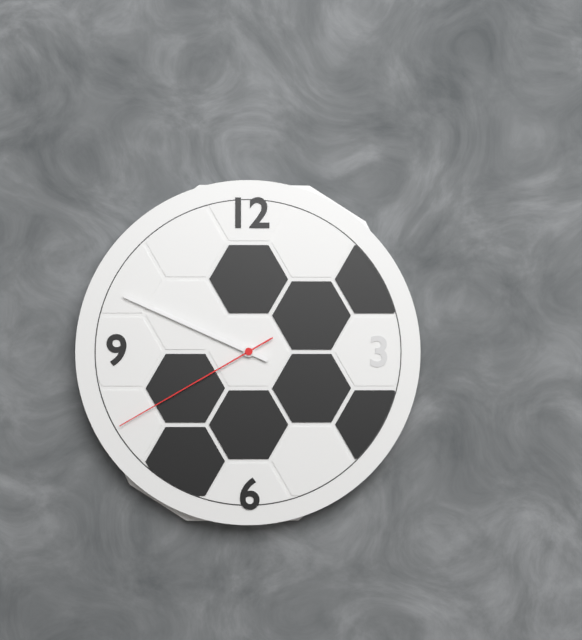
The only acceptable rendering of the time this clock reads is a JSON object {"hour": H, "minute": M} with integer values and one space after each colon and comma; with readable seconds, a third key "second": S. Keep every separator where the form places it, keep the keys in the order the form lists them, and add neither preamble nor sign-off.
{"hour": 9, "minute": 49, "second": 40}
